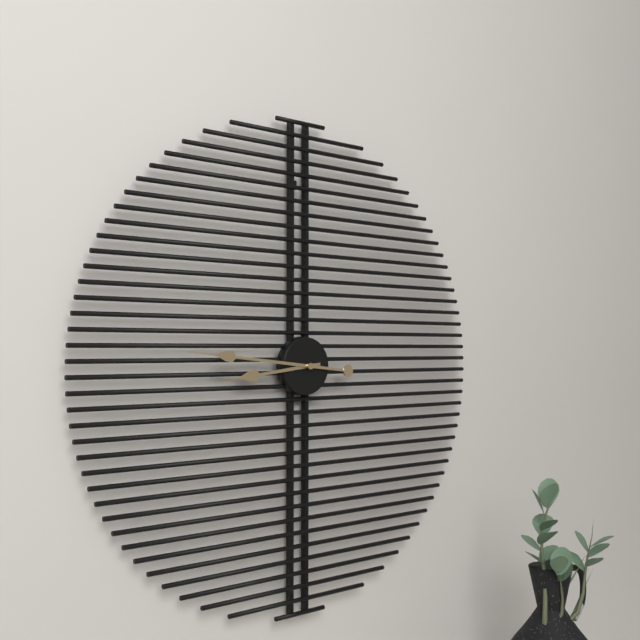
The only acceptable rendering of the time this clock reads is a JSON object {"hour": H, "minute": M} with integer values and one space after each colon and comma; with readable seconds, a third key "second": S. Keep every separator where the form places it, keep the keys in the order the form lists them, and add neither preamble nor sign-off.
{"hour": 8, "minute": 46}
